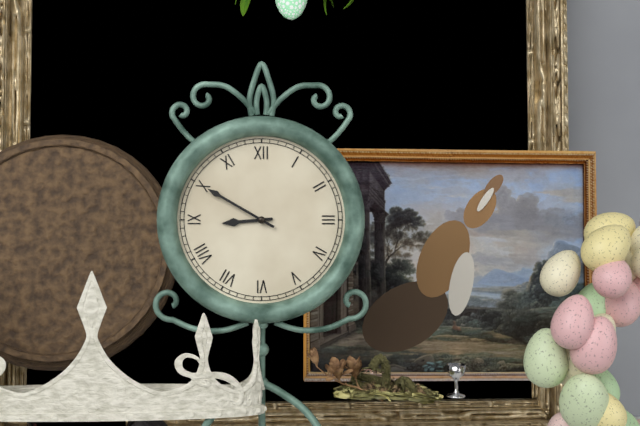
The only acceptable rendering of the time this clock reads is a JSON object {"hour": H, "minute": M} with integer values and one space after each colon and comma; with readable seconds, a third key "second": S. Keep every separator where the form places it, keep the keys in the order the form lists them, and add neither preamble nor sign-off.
{"hour": 8, "minute": 50}
